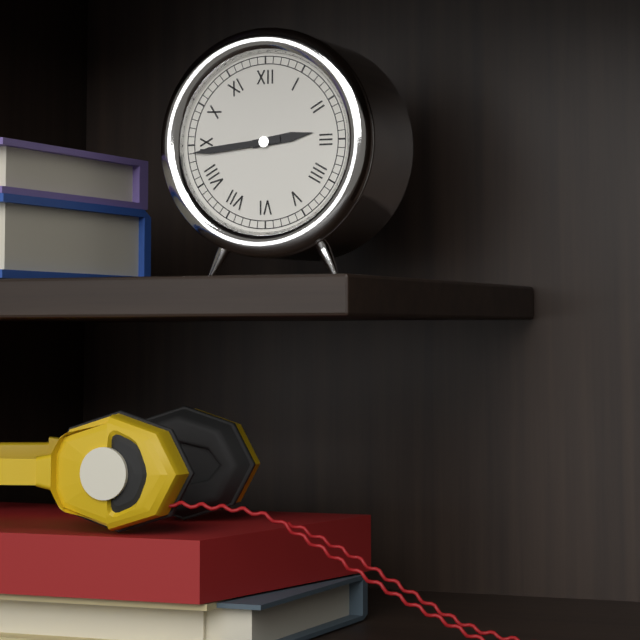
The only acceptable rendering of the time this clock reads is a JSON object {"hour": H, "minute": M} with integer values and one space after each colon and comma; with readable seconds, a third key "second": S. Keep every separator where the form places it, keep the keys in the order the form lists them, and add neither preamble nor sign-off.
{"hour": 2, "minute": 44}
